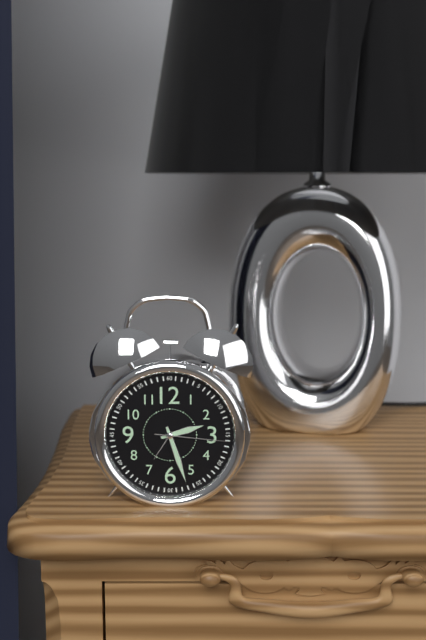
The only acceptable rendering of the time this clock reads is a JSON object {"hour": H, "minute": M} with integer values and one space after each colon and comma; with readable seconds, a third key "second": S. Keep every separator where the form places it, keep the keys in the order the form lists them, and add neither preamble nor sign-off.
{"hour": 2, "minute": 27, "second": 16}
